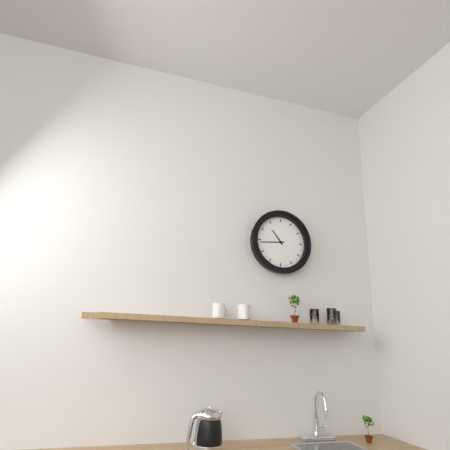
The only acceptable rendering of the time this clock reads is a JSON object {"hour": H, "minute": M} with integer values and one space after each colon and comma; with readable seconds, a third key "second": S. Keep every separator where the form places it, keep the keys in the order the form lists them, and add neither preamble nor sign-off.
{"hour": 10, "minute": 44}
